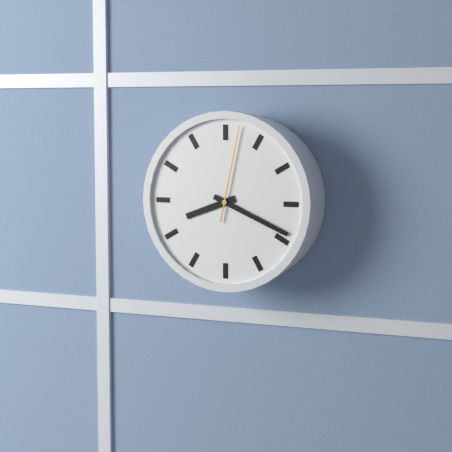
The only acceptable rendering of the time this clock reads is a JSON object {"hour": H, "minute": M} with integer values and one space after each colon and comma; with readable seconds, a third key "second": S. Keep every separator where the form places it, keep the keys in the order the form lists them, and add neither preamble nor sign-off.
{"hour": 8, "minute": 19, "second": 2}
